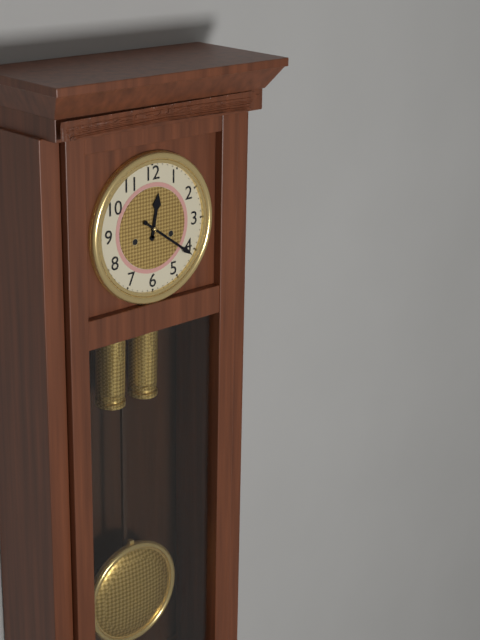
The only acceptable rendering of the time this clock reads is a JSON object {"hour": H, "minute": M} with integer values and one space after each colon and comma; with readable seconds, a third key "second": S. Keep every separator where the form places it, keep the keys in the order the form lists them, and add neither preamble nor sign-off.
{"hour": 12, "minute": 21}
